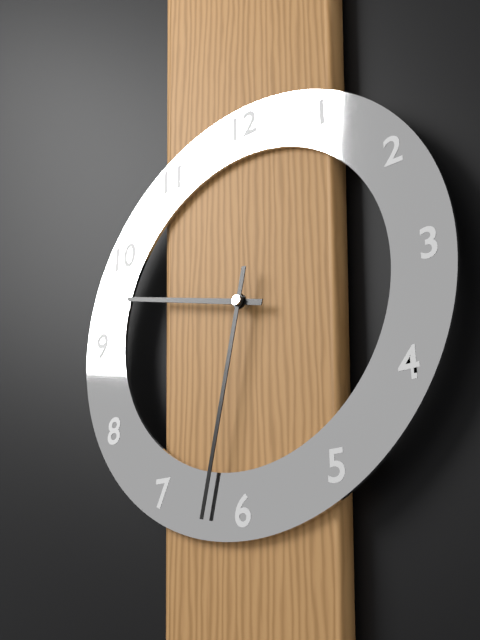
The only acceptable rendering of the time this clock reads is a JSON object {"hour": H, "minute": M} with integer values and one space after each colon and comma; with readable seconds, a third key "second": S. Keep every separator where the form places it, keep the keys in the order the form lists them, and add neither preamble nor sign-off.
{"hour": 9, "minute": 32}
